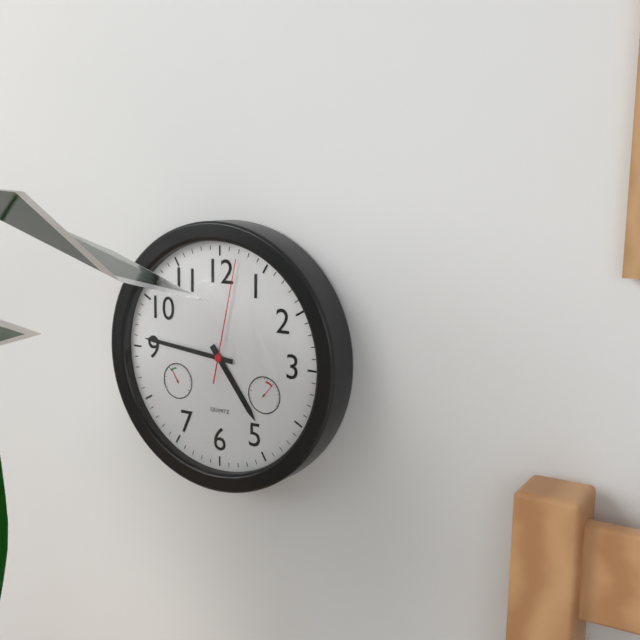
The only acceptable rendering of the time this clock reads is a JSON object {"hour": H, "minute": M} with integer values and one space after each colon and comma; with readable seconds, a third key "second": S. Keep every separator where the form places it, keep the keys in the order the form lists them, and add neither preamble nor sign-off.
{"hour": 4, "minute": 46, "second": 2}
